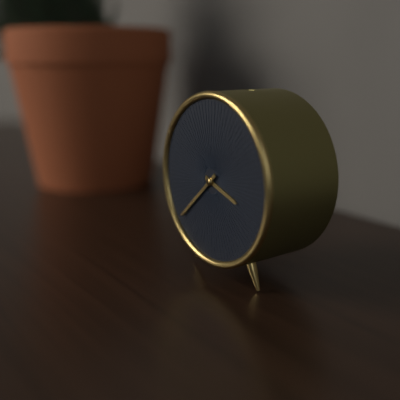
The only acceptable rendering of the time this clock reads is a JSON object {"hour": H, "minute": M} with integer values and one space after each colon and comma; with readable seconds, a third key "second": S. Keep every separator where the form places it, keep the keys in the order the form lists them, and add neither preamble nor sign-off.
{"hour": 3, "minute": 38}
